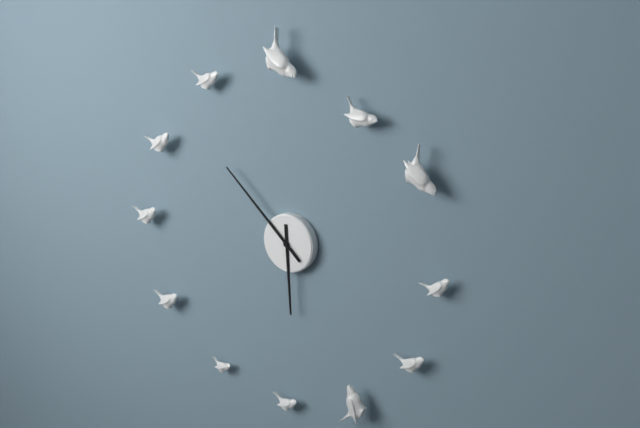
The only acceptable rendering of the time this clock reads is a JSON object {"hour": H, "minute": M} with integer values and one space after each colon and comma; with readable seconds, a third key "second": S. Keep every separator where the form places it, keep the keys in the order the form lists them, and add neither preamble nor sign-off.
{"hour": 5, "minute": 52}
